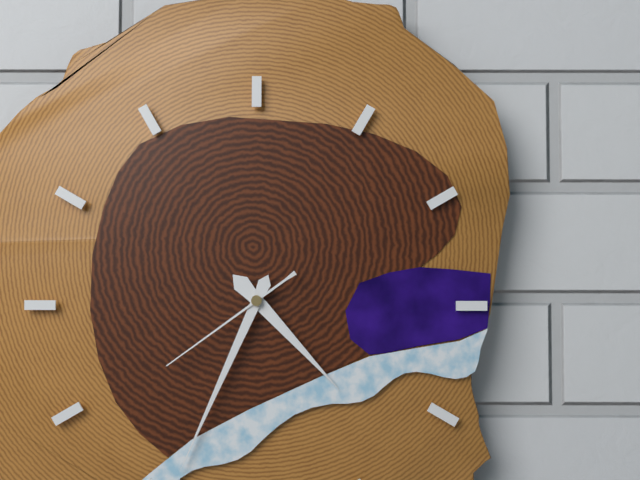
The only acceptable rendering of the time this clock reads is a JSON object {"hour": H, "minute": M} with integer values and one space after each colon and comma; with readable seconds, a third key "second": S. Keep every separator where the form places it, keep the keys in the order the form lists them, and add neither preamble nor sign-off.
{"hour": 4, "minute": 34, "second": 39}
